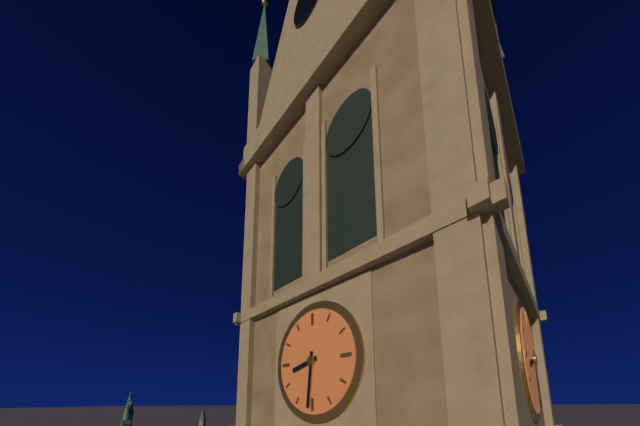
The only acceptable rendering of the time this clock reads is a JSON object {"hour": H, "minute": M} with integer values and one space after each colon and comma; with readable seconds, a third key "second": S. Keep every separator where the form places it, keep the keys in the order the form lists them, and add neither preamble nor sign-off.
{"hour": 8, "minute": 31}
